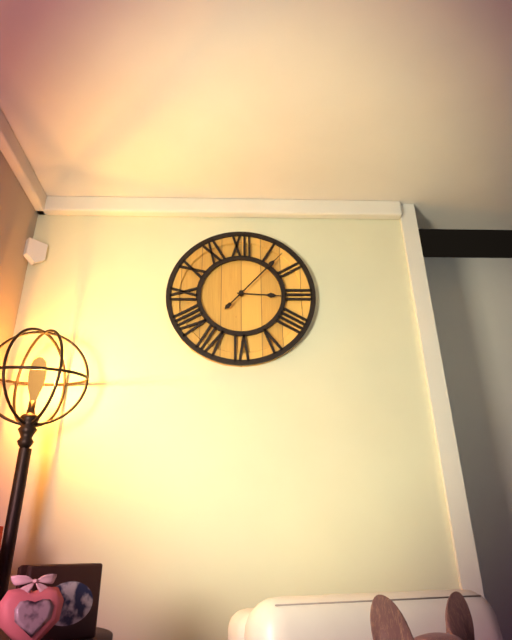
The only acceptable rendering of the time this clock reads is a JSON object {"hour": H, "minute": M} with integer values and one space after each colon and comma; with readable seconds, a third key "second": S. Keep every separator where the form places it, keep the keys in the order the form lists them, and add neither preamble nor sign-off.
{"hour": 3, "minute": 7}
